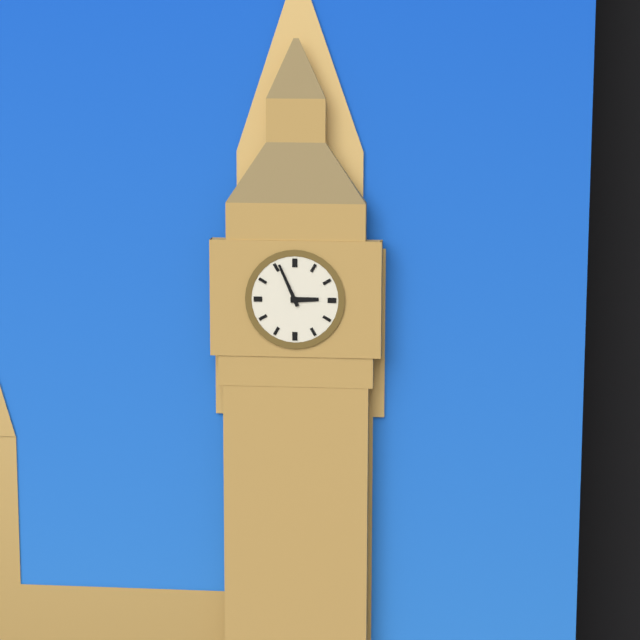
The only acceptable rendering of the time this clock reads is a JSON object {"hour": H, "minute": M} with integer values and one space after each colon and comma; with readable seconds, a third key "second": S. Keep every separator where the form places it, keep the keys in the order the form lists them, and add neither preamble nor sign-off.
{"hour": 2, "minute": 56}
